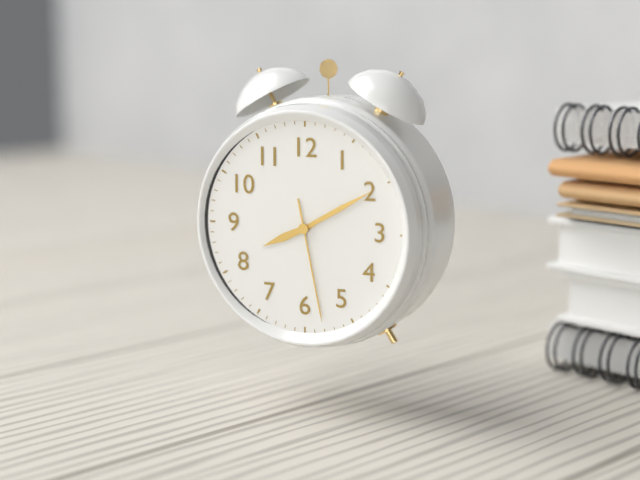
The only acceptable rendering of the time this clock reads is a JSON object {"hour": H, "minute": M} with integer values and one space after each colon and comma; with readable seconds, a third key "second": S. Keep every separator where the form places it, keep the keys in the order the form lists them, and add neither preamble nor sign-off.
{"hour": 8, "minute": 10, "second": 28}
